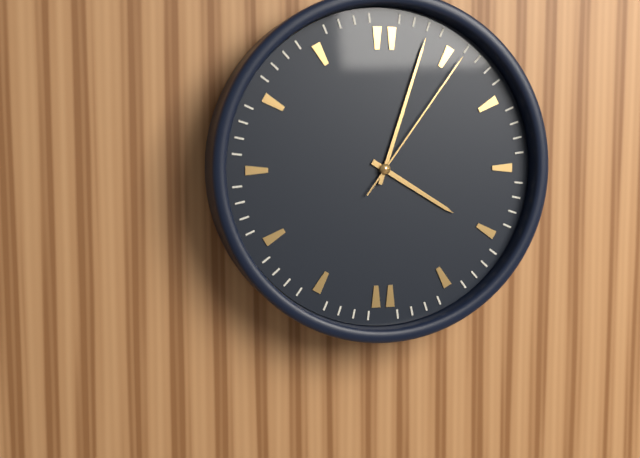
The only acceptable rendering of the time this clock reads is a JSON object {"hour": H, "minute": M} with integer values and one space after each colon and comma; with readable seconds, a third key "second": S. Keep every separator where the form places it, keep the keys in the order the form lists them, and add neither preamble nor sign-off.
{"hour": 4, "minute": 3, "second": 6}
